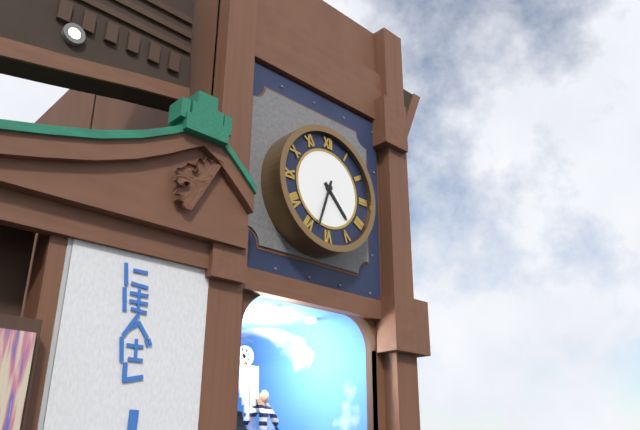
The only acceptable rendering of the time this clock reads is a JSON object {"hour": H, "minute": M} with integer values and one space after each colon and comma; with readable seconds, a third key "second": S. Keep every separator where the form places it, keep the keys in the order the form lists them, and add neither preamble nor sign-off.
{"hour": 4, "minute": 33}
